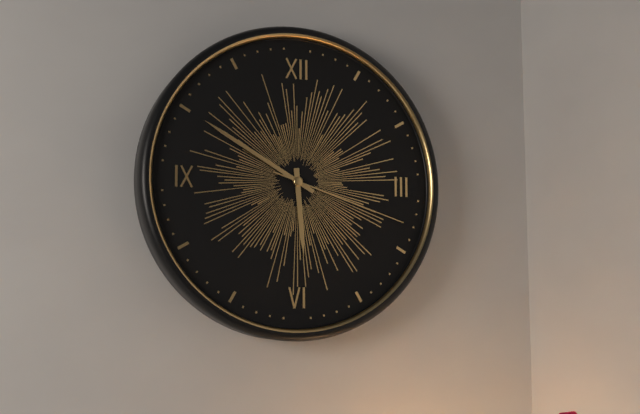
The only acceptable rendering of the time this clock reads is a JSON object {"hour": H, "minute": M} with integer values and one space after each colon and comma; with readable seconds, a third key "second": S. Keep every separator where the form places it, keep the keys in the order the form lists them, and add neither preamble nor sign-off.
{"hour": 5, "minute": 50, "second": 18}
